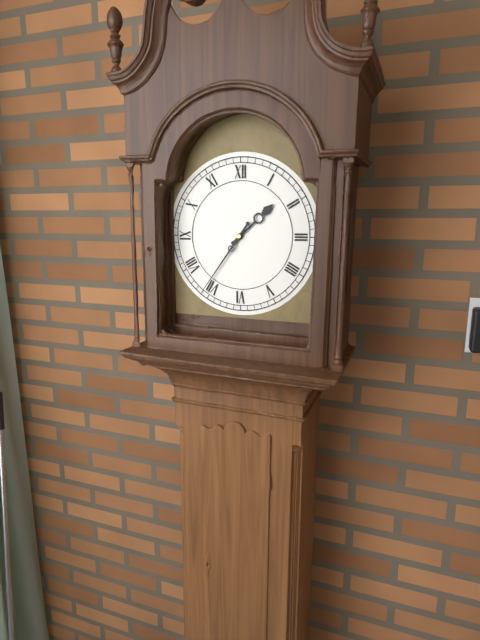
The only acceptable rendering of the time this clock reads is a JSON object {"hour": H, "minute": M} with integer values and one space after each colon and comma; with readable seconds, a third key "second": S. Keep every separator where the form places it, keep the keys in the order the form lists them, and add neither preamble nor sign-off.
{"hour": 1, "minute": 36}
